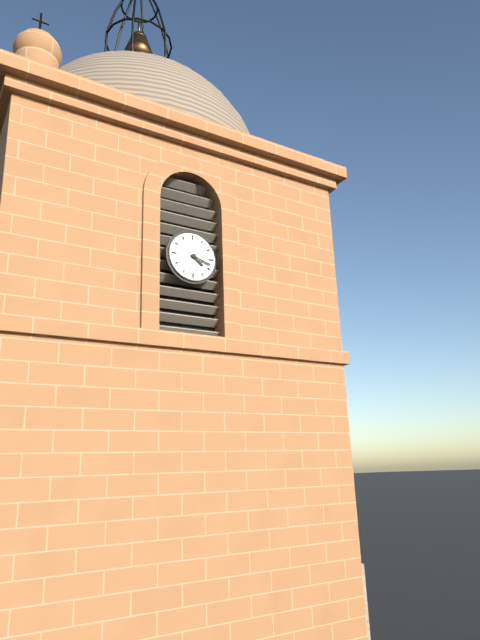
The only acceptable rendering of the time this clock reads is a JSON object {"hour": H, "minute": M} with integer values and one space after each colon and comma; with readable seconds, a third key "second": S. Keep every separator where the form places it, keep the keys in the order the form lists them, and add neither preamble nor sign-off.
{"hour": 4, "minute": 18}
